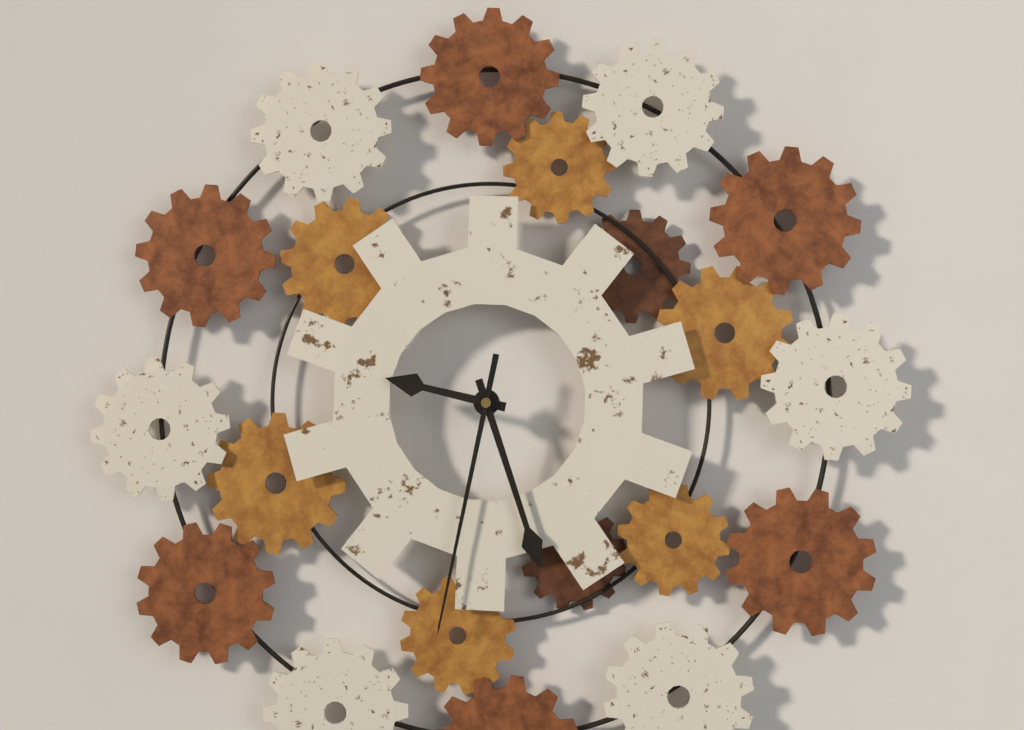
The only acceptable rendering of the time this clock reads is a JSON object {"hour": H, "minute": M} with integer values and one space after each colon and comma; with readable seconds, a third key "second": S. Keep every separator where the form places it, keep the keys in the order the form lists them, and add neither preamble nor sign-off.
{"hour": 9, "minute": 27, "second": 32}
